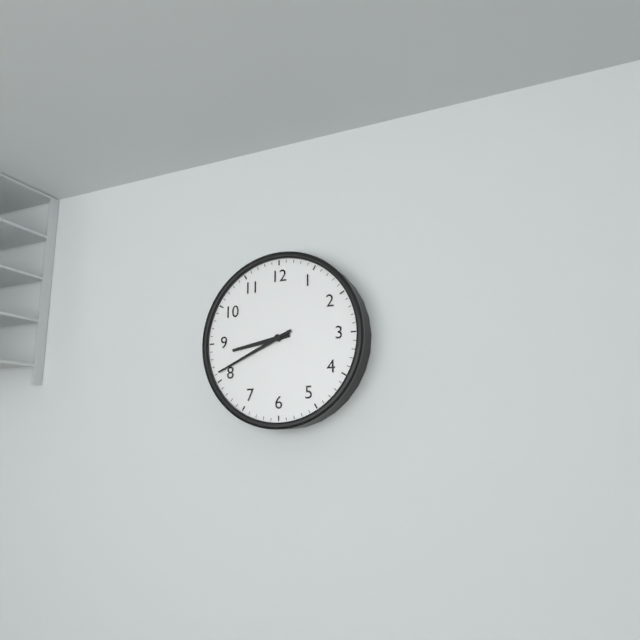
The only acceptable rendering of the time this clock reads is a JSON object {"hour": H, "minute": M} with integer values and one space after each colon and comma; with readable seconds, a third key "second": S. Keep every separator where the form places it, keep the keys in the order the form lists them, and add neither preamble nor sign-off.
{"hour": 8, "minute": 41}
